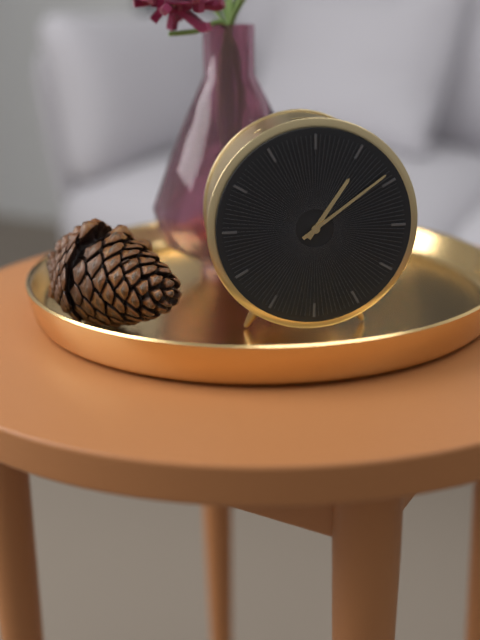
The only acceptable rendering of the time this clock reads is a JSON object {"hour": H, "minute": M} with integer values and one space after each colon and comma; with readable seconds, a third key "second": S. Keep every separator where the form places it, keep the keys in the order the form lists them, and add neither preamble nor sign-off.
{"hour": 1, "minute": 9}
